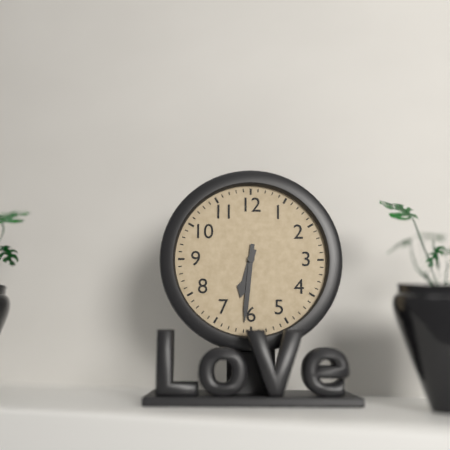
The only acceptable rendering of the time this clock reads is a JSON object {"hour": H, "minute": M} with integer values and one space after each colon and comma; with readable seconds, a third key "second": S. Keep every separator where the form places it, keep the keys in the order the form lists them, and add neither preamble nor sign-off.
{"hour": 6, "minute": 31}
